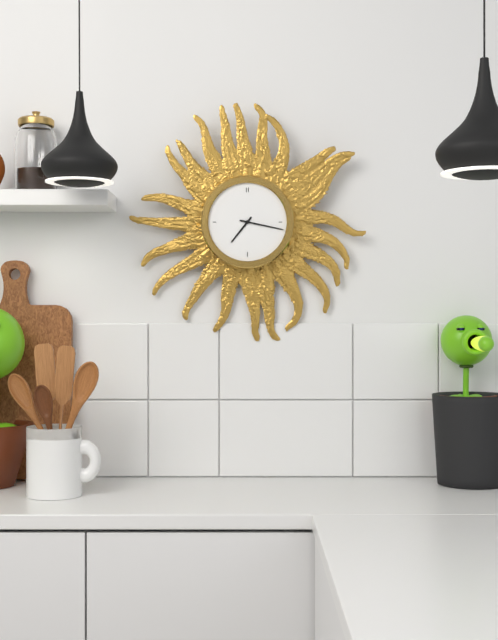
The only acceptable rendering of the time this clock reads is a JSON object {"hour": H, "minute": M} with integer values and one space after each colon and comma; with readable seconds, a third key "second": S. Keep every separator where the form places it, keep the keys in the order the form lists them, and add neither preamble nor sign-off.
{"hour": 7, "minute": 17}
